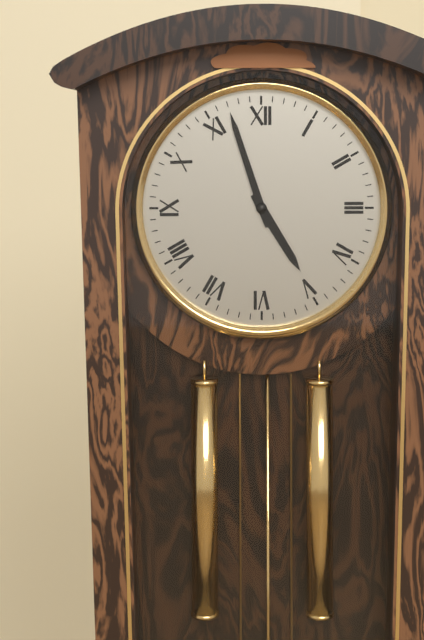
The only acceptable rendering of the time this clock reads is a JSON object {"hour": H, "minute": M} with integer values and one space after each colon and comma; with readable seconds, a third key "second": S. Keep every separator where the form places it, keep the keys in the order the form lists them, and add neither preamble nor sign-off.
{"hour": 4, "minute": 57}
